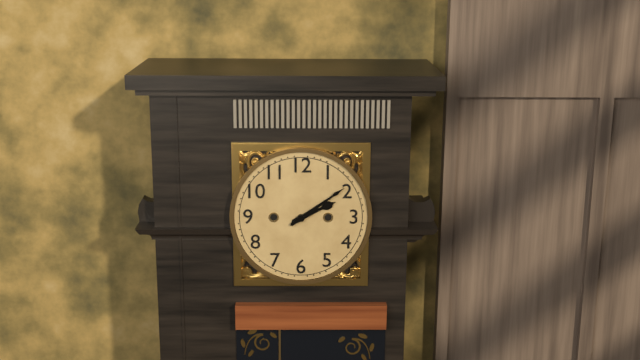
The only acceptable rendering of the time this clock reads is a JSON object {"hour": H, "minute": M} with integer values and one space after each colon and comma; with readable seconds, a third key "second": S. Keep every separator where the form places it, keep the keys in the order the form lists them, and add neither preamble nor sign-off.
{"hour": 2, "minute": 9}
